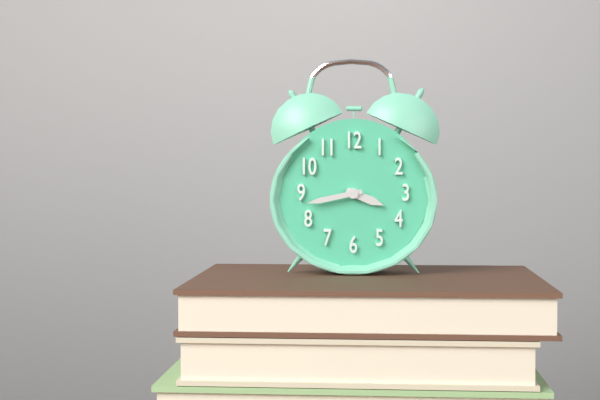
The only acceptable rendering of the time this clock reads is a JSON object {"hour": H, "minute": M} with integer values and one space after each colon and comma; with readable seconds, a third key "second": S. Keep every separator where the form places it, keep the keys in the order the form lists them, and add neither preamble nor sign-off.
{"hour": 3, "minute": 43}
